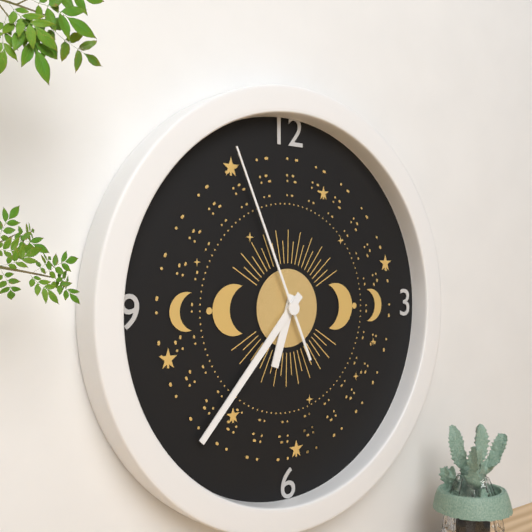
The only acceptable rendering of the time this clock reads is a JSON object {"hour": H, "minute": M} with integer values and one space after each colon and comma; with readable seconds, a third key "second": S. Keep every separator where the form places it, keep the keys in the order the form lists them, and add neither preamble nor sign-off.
{"hour": 6, "minute": 37, "second": 56}
